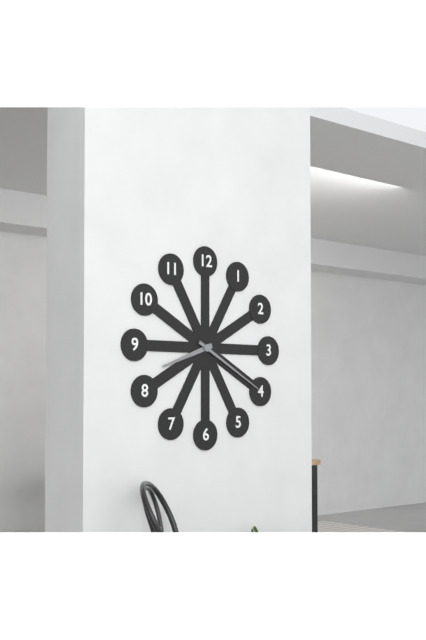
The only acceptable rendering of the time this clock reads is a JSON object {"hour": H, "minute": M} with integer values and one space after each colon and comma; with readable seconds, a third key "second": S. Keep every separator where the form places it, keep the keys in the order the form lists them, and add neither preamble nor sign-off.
{"hour": 8, "minute": 20}
